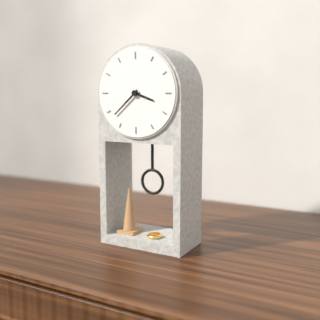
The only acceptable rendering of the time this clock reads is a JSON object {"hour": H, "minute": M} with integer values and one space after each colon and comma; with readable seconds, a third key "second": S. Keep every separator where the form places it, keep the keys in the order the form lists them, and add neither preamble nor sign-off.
{"hour": 3, "minute": 38}
